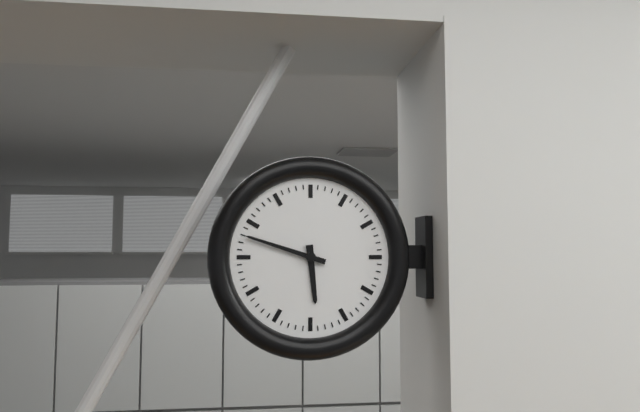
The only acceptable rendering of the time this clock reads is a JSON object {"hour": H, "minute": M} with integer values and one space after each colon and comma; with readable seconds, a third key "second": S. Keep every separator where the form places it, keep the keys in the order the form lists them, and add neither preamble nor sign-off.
{"hour": 5, "minute": 48}
